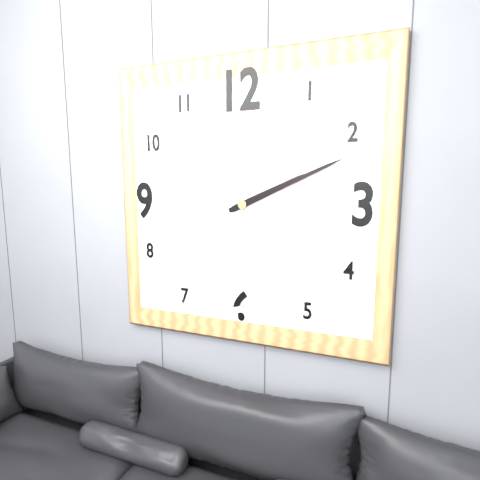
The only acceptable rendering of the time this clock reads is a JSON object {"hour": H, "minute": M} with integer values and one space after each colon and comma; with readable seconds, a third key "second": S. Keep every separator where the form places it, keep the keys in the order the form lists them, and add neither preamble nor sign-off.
{"hour": 2, "minute": 11}
